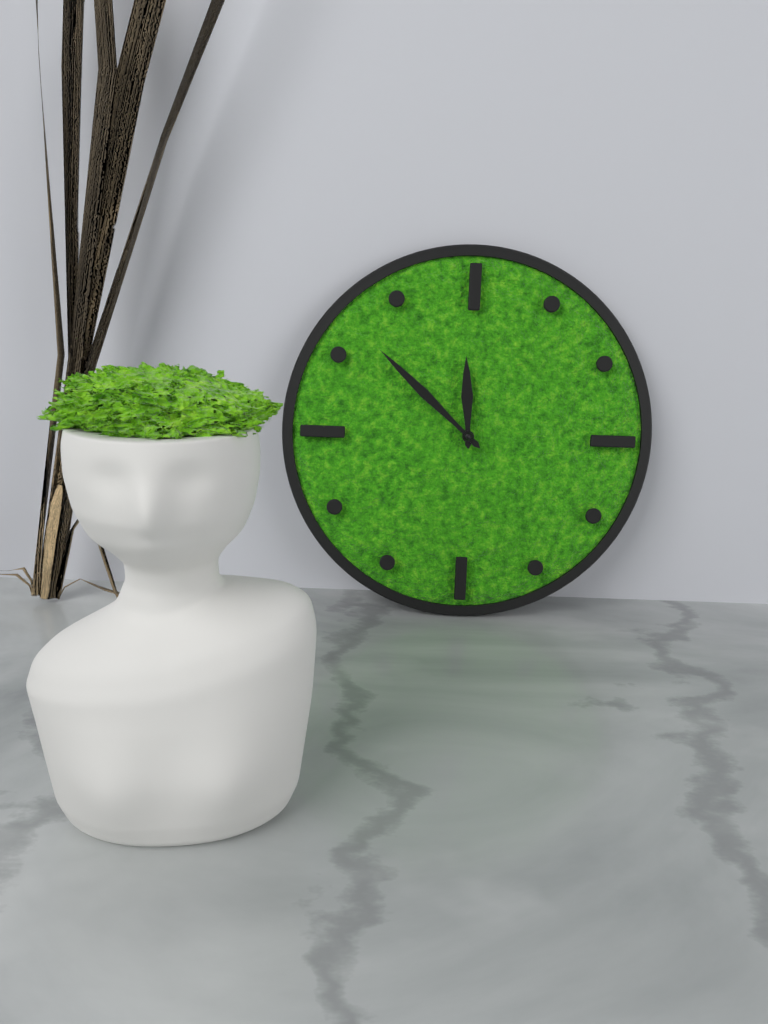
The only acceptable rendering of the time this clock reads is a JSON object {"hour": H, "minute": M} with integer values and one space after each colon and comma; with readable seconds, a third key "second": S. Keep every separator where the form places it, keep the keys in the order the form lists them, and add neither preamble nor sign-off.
{"hour": 11, "minute": 52}
